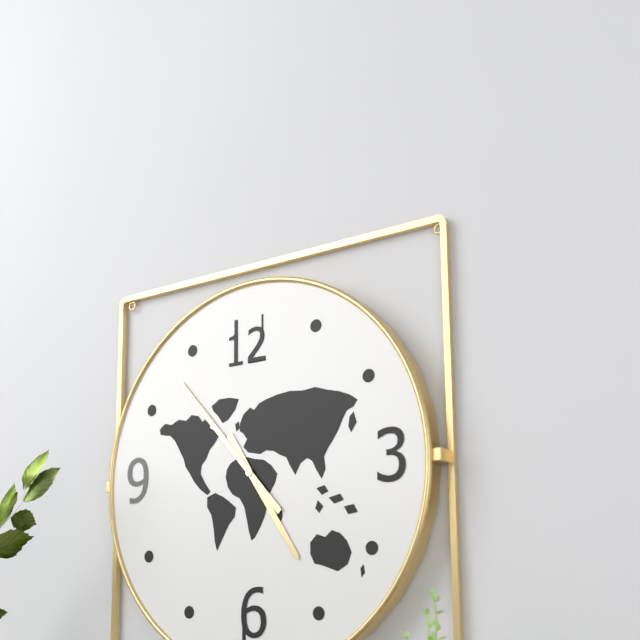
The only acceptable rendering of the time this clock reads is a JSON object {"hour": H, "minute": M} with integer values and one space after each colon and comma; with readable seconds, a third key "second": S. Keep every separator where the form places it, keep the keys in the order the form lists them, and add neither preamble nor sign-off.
{"hour": 4, "minute": 53}
